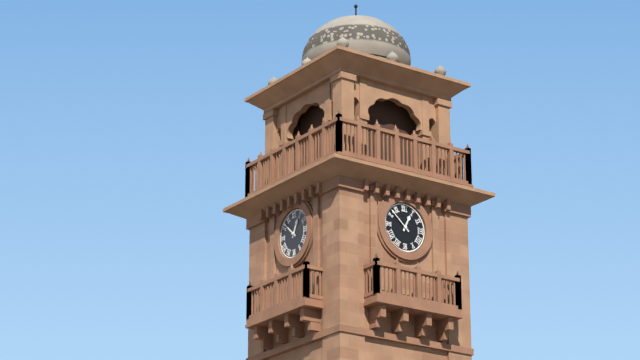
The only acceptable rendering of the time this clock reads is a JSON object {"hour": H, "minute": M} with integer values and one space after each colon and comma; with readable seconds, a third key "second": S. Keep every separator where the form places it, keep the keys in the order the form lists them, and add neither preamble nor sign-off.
{"hour": 12, "minute": 52}
